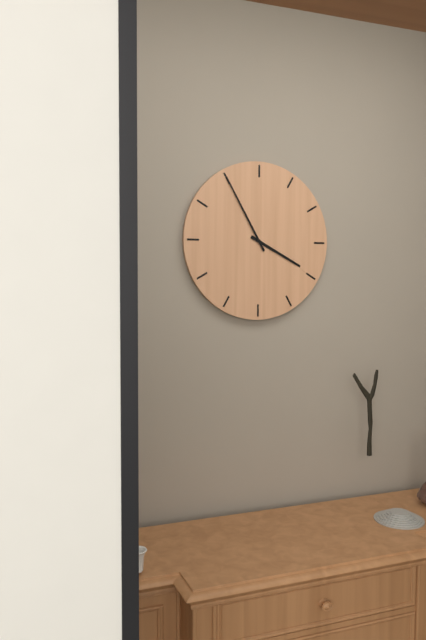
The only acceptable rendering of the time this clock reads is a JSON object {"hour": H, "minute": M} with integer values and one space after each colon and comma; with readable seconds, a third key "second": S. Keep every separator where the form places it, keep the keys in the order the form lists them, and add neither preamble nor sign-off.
{"hour": 3, "minute": 55}
